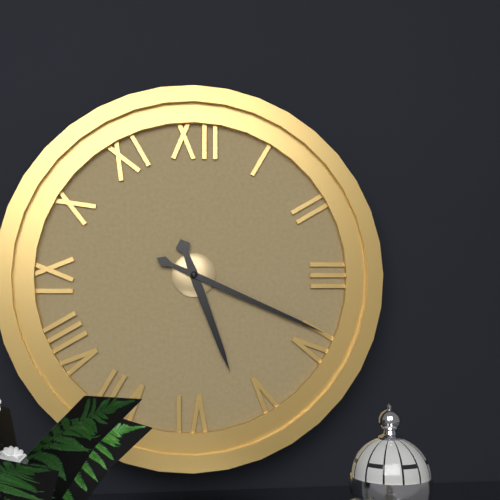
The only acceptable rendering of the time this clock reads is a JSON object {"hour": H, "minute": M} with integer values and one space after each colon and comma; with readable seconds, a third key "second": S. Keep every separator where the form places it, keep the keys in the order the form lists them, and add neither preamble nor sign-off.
{"hour": 5, "minute": 19}
